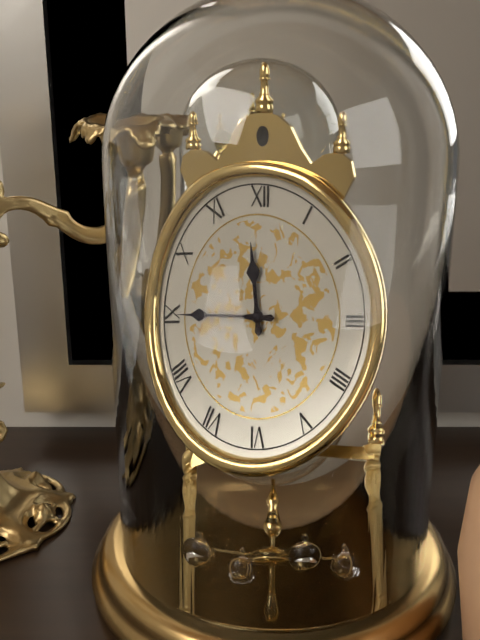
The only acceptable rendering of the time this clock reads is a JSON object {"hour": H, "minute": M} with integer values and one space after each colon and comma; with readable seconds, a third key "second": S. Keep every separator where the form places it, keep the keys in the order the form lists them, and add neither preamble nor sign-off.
{"hour": 11, "minute": 45}
